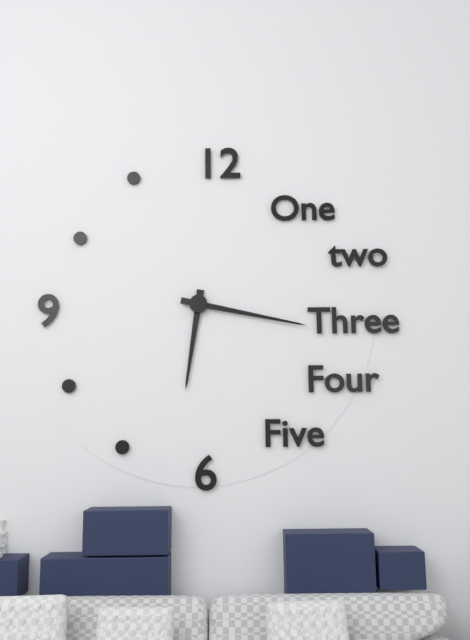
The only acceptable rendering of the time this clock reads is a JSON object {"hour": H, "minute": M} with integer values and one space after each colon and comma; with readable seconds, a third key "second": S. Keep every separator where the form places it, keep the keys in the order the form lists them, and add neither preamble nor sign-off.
{"hour": 6, "minute": 17}
